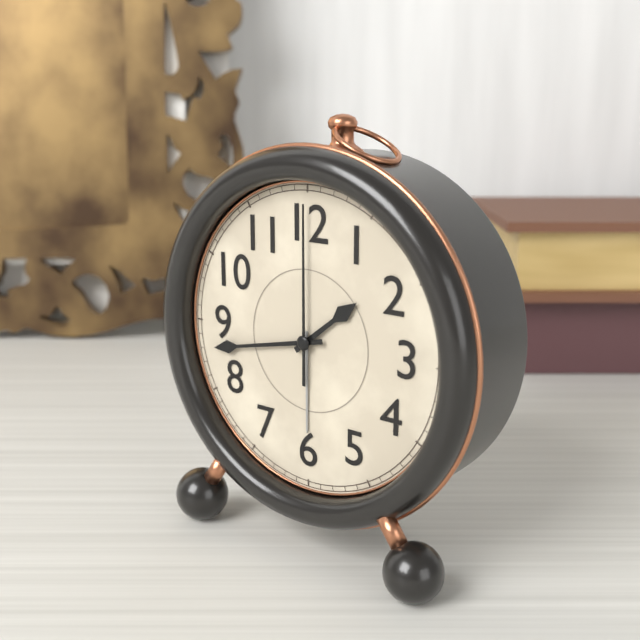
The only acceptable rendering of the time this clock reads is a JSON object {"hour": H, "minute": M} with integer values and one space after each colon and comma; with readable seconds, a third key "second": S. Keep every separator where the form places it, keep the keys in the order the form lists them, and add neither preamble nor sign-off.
{"hour": 1, "minute": 43, "second": 0}
